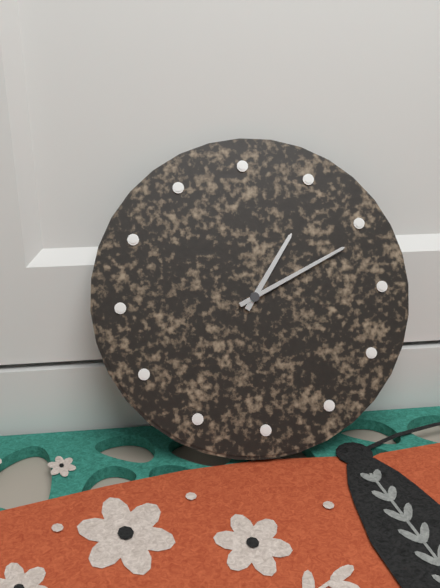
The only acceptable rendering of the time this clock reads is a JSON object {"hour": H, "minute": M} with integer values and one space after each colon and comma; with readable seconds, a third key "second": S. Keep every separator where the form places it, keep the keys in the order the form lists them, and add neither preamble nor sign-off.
{"hour": 1, "minute": 11}
